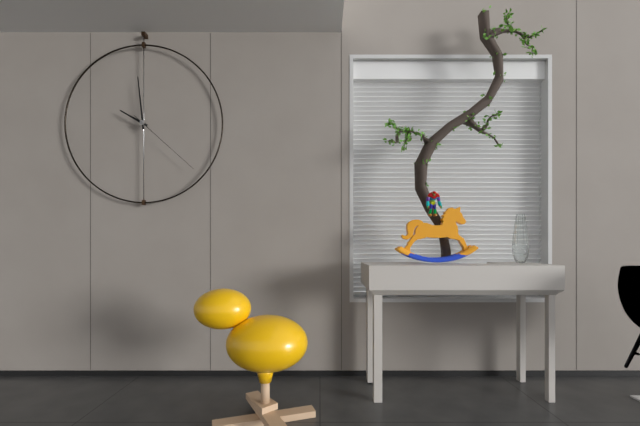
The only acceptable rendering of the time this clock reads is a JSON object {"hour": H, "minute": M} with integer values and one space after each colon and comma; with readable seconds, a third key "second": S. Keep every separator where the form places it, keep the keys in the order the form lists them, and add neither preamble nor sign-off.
{"hour": 9, "minute": 59, "second": 22}
